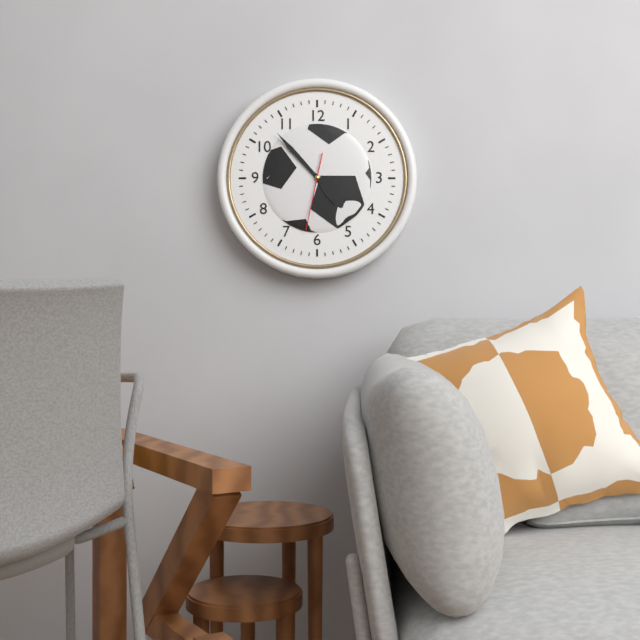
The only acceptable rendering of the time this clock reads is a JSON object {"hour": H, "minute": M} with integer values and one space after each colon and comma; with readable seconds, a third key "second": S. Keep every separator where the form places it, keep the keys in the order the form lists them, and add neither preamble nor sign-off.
{"hour": 4, "minute": 53, "second": 32}
